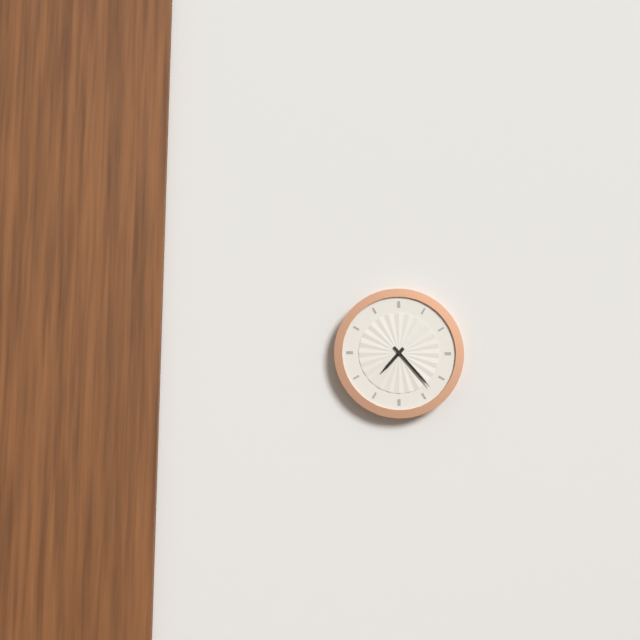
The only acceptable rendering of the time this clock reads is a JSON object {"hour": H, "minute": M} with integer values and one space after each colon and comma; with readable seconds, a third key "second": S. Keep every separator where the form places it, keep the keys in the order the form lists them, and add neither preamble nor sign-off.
{"hour": 7, "minute": 23}
